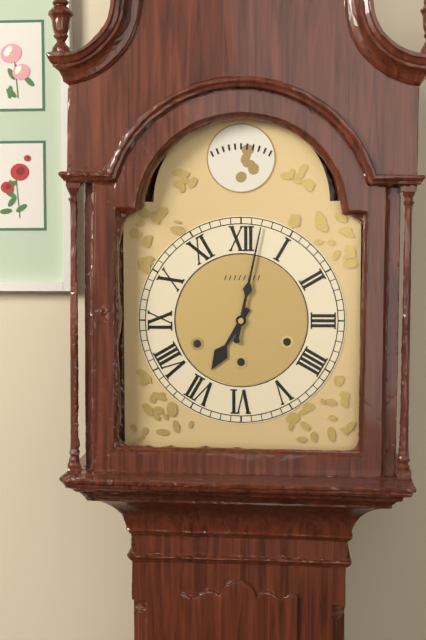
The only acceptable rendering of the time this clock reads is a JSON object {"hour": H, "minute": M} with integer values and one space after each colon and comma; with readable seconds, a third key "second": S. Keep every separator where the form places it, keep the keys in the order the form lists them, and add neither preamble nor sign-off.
{"hour": 7, "minute": 2}
